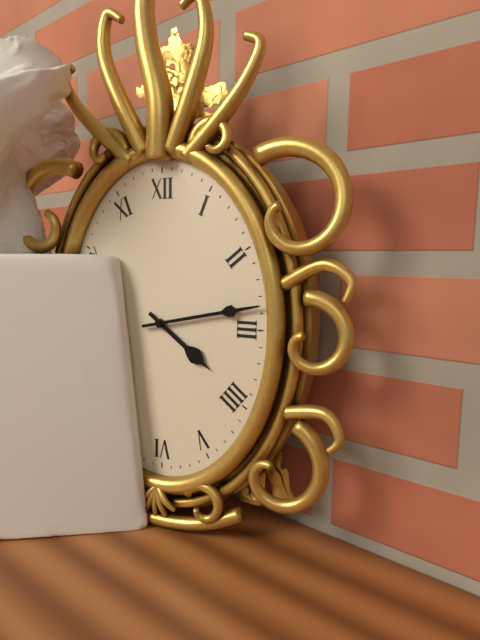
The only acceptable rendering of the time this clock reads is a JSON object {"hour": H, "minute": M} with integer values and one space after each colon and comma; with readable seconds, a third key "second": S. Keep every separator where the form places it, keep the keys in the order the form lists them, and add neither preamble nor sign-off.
{"hour": 4, "minute": 13}
